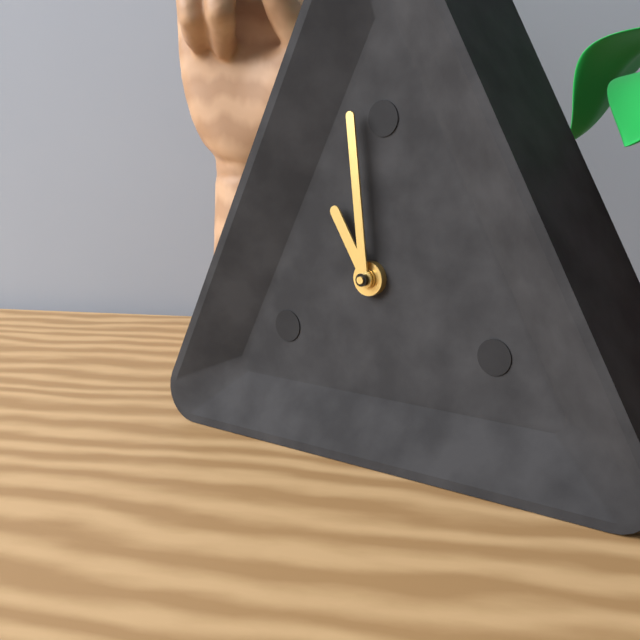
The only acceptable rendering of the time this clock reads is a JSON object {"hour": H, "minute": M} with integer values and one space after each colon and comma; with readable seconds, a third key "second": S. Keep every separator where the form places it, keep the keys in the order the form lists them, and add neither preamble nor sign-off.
{"hour": 10, "minute": 59}
